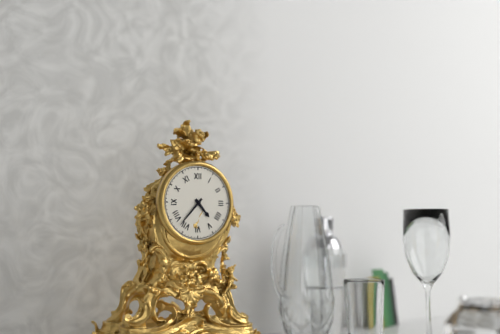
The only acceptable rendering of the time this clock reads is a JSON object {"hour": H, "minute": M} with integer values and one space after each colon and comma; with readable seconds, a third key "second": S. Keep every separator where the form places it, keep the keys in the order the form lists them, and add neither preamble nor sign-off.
{"hour": 4, "minute": 37}
